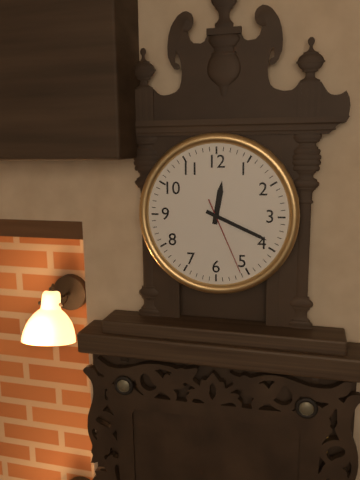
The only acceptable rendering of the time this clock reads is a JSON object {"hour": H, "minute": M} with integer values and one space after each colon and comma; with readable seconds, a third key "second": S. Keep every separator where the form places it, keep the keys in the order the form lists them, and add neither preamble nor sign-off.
{"hour": 12, "minute": 19, "second": 26}
